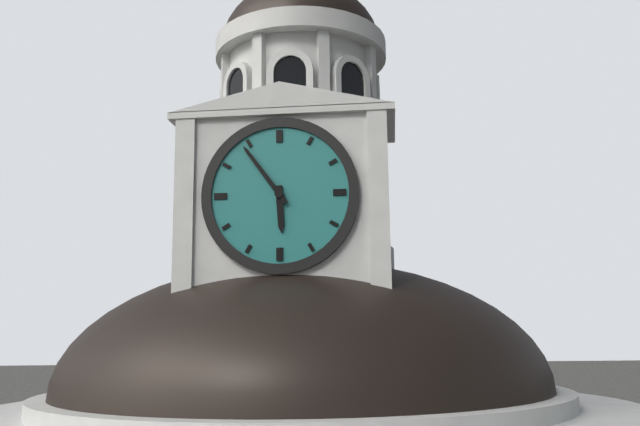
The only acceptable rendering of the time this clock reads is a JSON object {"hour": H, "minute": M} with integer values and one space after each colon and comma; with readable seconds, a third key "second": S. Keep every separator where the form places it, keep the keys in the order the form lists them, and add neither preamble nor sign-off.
{"hour": 5, "minute": 54}
